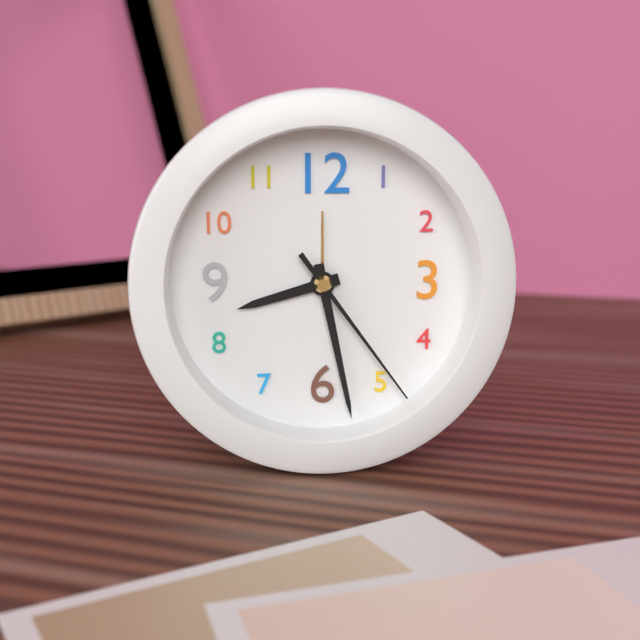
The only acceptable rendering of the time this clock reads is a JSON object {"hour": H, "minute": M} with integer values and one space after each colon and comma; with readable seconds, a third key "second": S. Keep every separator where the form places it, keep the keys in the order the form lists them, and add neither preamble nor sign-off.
{"hour": 8, "minute": 28, "second": 24}
